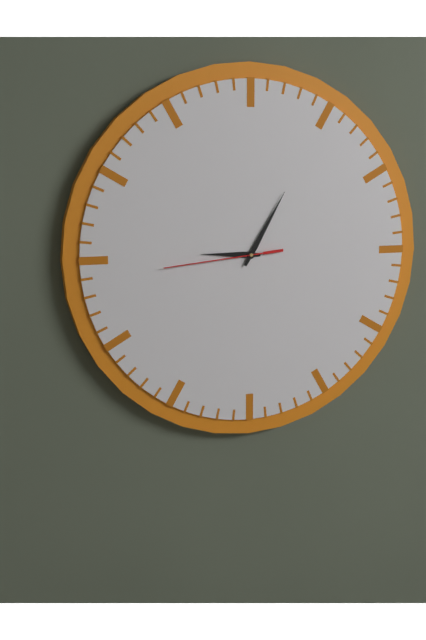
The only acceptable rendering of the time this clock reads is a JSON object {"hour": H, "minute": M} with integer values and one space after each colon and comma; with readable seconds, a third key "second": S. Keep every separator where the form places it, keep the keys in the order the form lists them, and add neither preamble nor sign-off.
{"hour": 9, "minute": 5, "second": 44}
